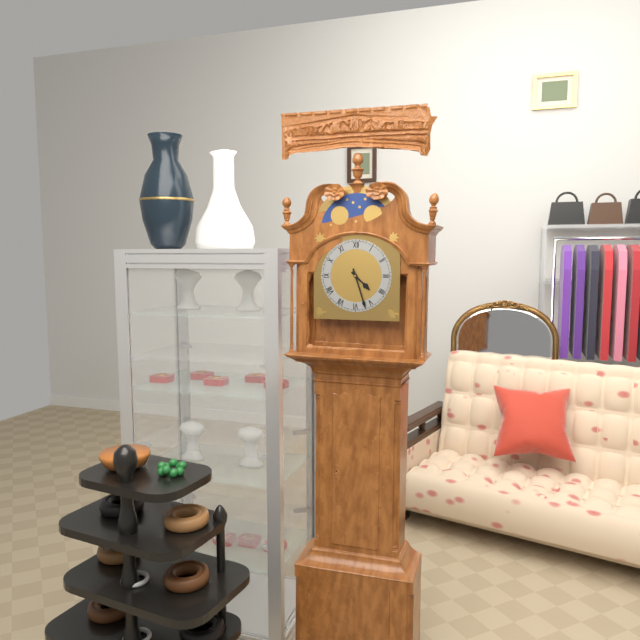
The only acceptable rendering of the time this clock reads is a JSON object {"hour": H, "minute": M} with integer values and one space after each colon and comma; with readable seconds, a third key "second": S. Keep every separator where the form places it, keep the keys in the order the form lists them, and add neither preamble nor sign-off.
{"hour": 4, "minute": 27}
